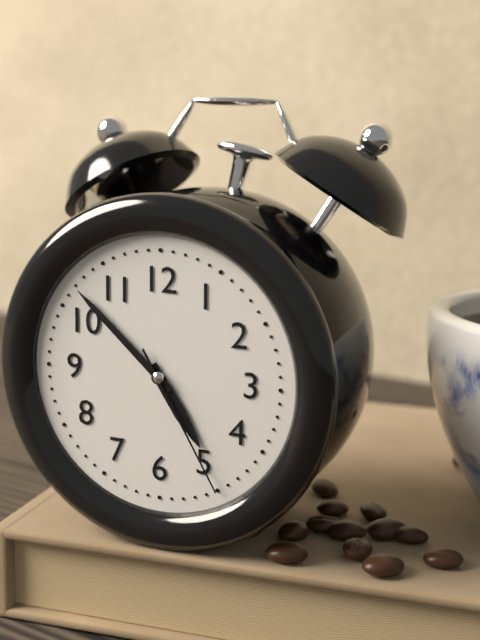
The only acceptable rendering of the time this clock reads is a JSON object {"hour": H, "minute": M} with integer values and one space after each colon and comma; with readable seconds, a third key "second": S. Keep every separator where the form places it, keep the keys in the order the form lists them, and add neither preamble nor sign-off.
{"hour": 4, "minute": 52, "second": 25}
